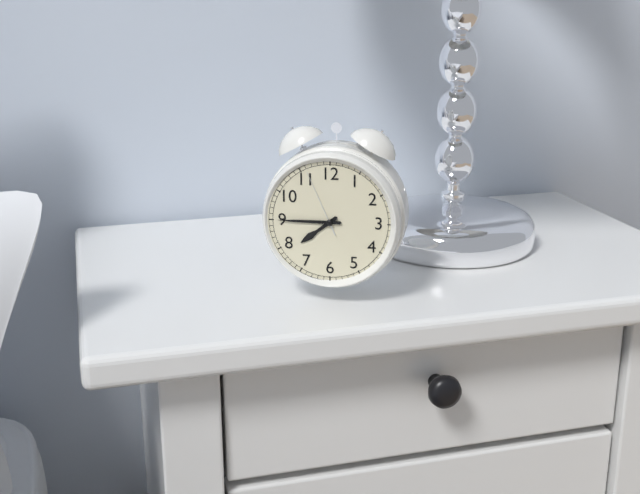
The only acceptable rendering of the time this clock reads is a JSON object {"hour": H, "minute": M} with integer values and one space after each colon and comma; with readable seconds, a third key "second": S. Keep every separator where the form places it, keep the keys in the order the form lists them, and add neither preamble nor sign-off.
{"hour": 7, "minute": 45, "second": 56}
